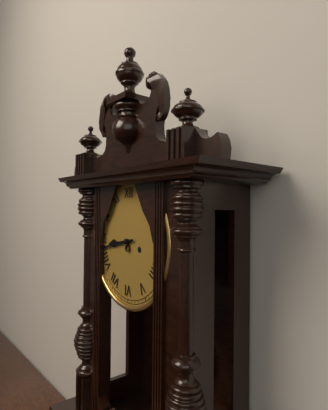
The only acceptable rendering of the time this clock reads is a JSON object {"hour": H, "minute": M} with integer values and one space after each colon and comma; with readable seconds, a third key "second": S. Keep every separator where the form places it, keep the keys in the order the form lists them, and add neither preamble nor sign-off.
{"hour": 8, "minute": 43}
